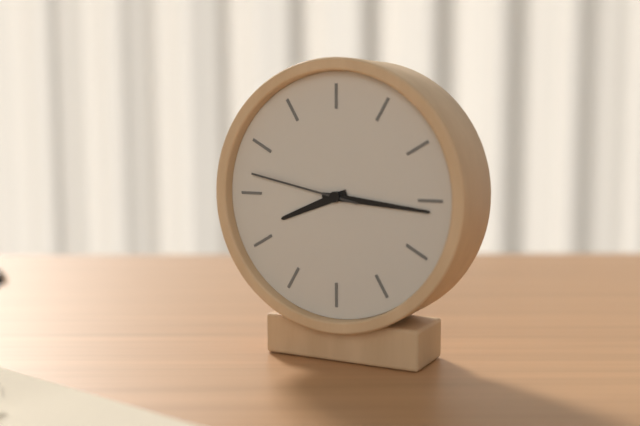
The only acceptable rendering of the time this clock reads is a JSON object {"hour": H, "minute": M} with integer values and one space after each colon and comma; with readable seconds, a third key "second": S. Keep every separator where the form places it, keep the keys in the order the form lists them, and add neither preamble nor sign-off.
{"hour": 8, "minute": 16, "second": 47}
